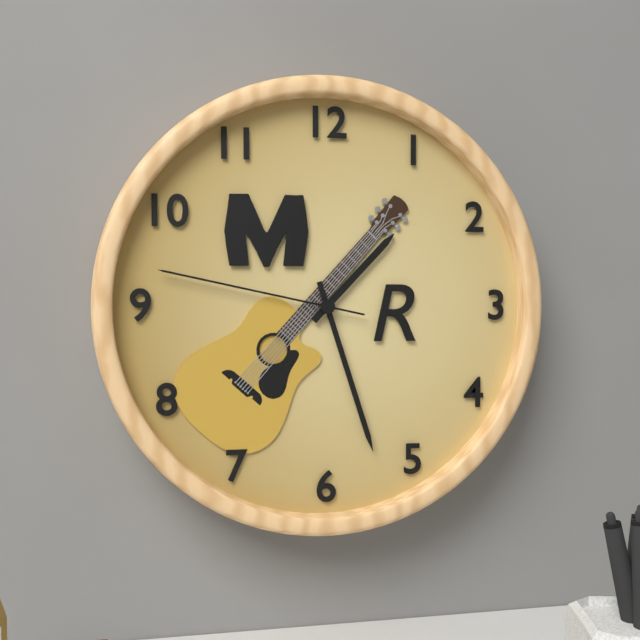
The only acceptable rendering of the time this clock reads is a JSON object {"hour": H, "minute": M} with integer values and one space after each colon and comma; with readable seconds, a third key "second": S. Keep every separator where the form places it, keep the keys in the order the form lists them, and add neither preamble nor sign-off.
{"hour": 1, "minute": 27, "second": 47}
